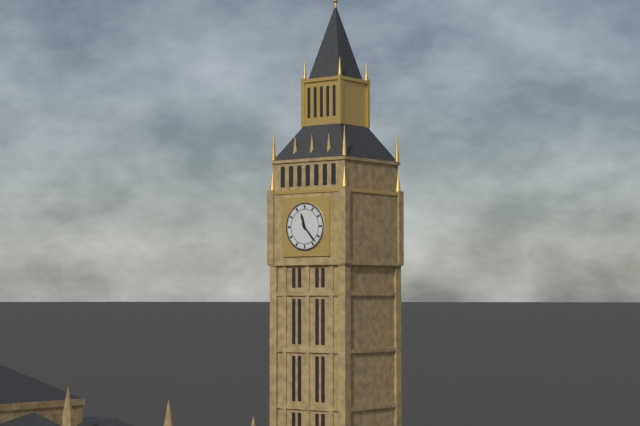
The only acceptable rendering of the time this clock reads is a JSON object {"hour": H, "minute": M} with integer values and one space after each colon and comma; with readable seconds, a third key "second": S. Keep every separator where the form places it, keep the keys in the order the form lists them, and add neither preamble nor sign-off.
{"hour": 11, "minute": 23}
